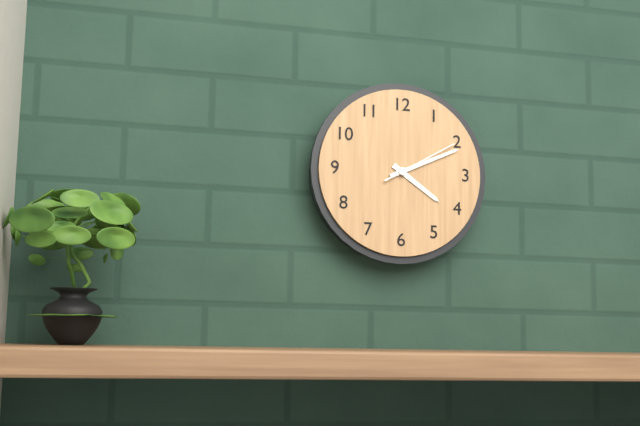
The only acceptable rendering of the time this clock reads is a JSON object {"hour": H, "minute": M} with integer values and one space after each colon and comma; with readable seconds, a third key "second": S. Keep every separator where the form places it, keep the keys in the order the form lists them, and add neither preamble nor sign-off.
{"hour": 4, "minute": 11, "second": 10}
